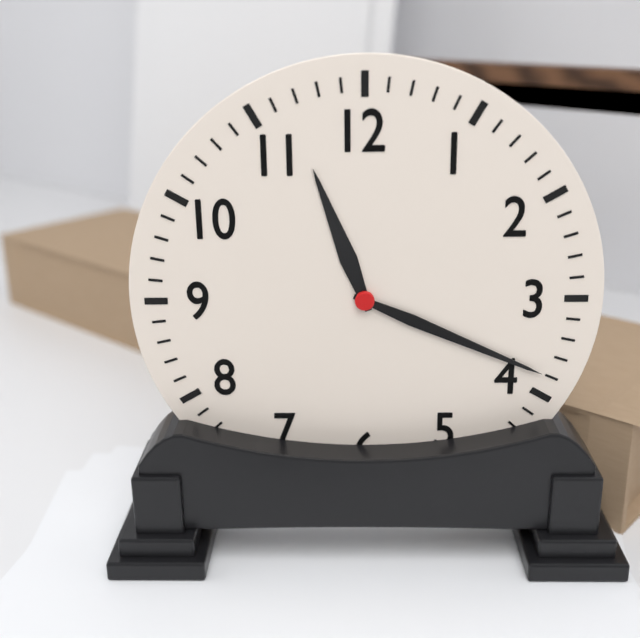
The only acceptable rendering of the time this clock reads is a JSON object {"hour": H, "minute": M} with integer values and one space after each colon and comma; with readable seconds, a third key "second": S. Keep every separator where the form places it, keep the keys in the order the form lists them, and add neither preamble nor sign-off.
{"hour": 11, "minute": 19}
